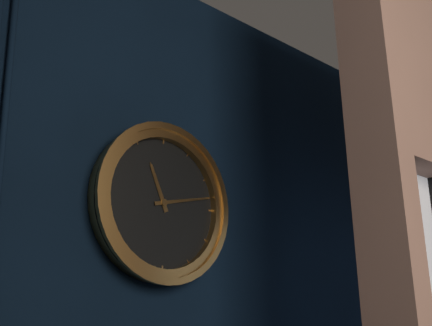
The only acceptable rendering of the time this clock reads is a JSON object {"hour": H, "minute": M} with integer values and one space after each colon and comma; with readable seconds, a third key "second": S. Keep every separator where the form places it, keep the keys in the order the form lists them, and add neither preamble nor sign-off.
{"hour": 11, "minute": 13}
